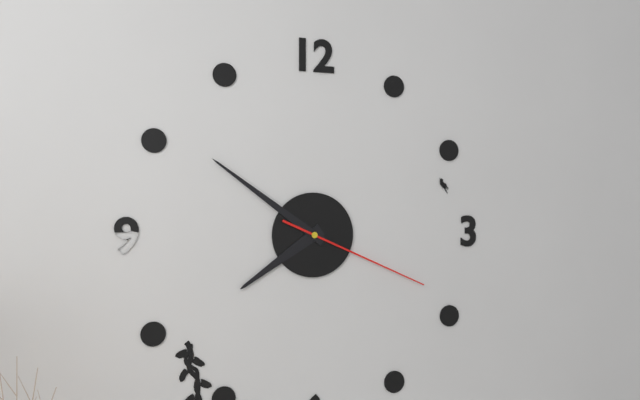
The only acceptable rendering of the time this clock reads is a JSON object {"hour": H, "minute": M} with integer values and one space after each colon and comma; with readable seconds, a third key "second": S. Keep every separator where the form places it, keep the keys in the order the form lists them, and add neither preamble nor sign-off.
{"hour": 7, "minute": 51, "second": 19}
